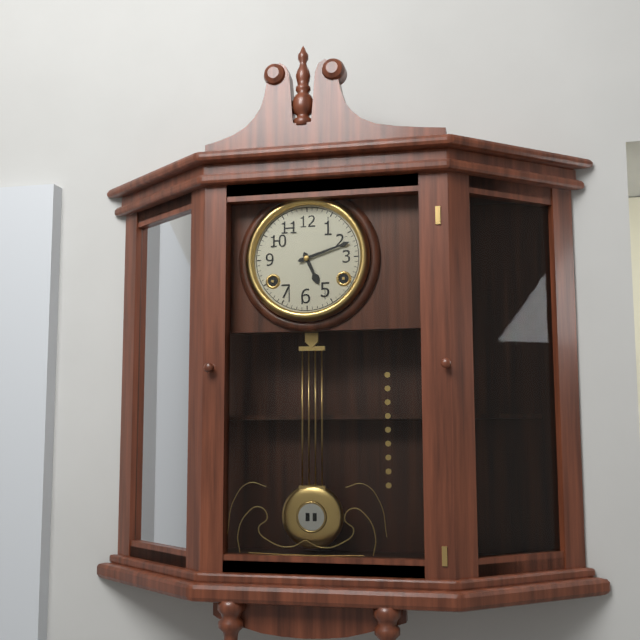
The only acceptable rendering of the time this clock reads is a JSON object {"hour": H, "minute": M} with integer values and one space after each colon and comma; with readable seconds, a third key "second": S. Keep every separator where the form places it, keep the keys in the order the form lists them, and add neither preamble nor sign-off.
{"hour": 5, "minute": 12}
